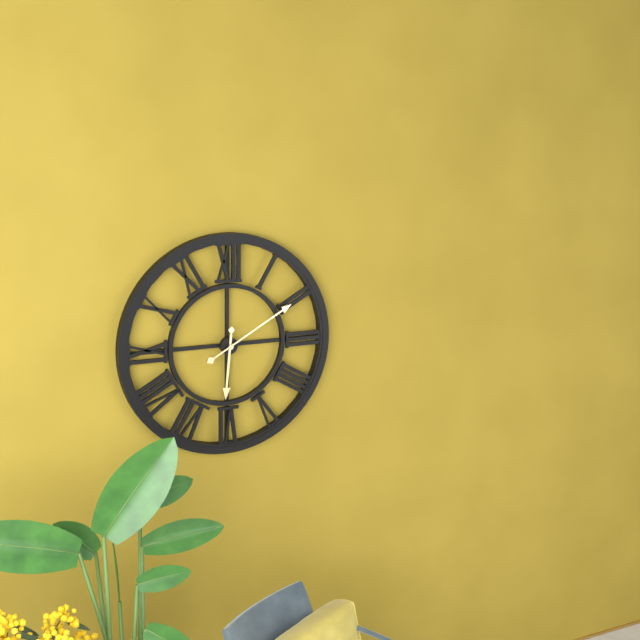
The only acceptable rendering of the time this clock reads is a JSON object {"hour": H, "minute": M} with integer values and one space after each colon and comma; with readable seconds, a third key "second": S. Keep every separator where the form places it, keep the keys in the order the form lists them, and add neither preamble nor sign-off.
{"hour": 6, "minute": 10}
